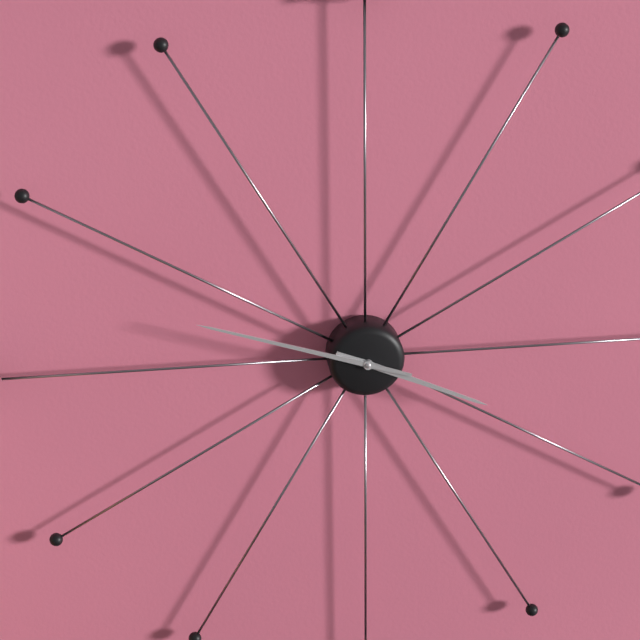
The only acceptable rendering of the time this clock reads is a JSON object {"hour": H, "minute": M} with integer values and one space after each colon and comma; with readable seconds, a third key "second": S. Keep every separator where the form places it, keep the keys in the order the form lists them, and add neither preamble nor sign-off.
{"hour": 3, "minute": 48}
